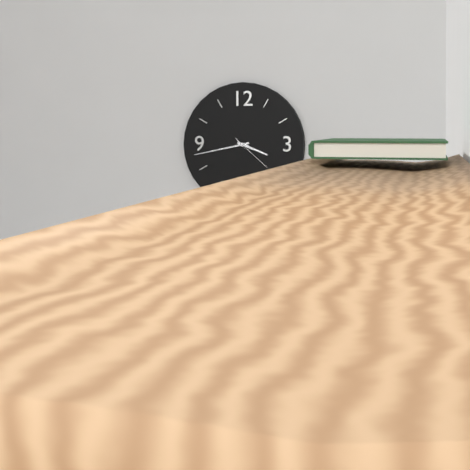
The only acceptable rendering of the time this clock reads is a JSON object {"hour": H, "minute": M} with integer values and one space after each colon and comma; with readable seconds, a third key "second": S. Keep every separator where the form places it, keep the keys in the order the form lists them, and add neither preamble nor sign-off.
{"hour": 3, "minute": 43}
